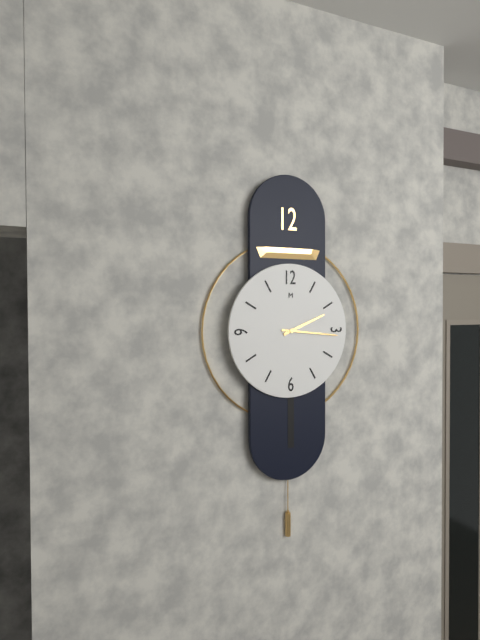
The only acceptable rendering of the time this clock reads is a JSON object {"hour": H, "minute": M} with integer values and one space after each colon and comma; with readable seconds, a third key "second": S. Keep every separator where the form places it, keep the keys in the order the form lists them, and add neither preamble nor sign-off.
{"hour": 2, "minute": 16}
